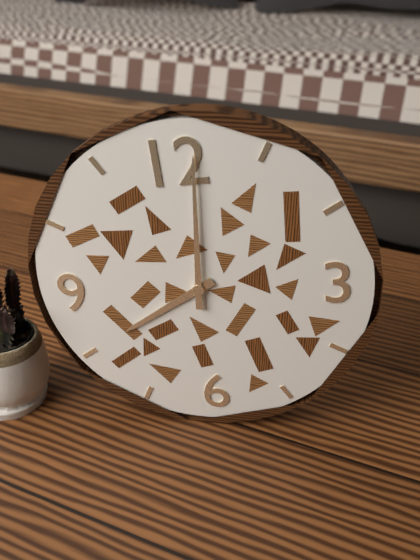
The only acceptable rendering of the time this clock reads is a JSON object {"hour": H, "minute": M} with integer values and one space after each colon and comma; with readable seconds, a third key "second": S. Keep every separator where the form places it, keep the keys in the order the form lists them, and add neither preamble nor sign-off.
{"hour": 8, "minute": 1}
